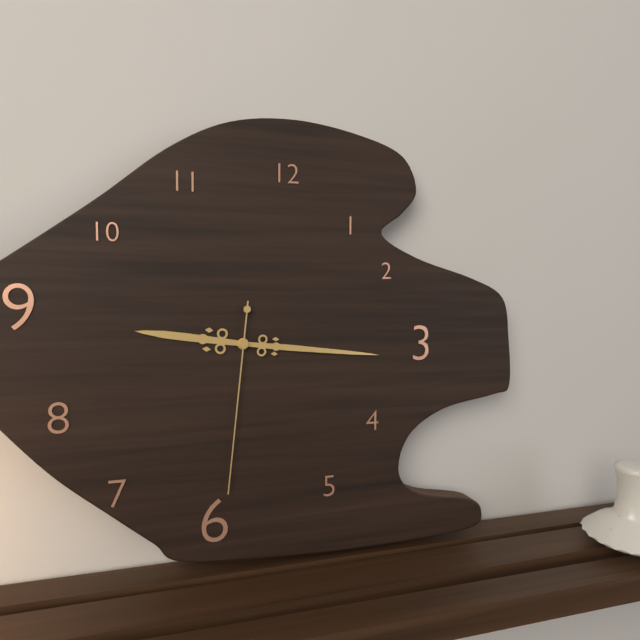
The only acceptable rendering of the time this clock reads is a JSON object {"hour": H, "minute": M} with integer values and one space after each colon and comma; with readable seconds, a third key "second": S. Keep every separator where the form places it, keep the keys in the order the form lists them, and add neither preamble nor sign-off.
{"hour": 9, "minute": 16, "second": 31}
